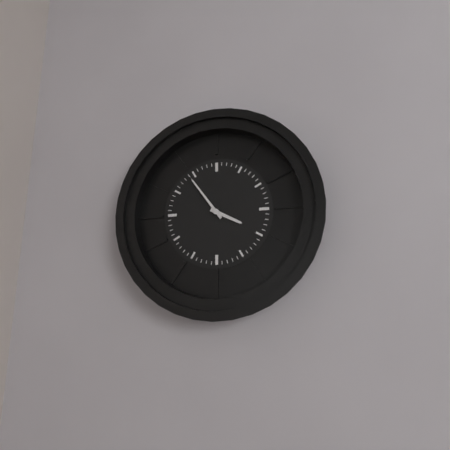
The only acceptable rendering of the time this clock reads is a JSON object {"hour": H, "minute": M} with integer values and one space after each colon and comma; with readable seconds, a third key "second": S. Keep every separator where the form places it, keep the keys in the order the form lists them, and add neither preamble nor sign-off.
{"hour": 3, "minute": 54}
